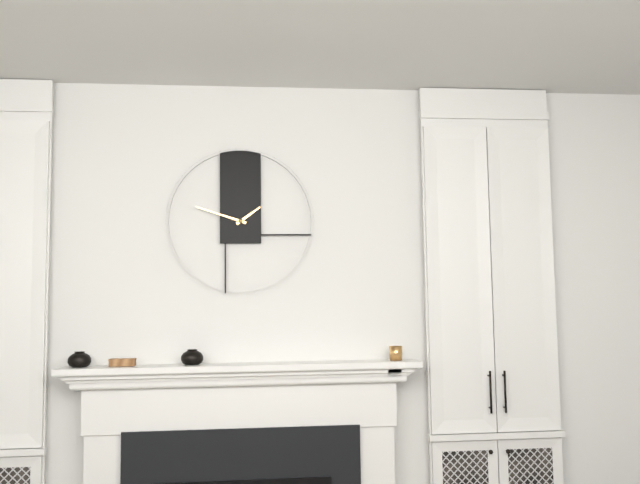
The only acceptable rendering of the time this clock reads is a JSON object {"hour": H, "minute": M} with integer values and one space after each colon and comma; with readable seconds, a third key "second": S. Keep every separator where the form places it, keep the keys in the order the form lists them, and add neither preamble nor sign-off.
{"hour": 1, "minute": 48}
